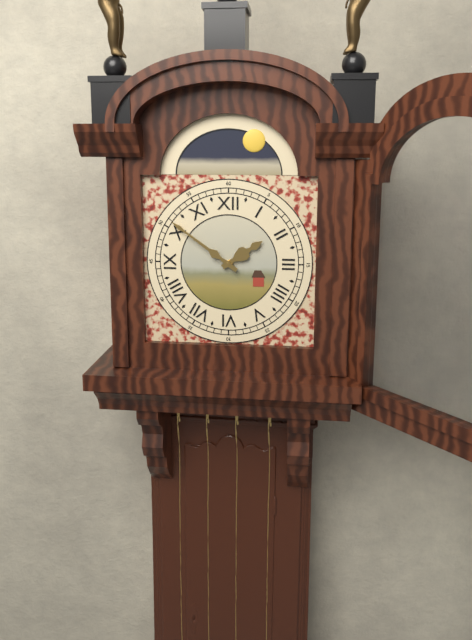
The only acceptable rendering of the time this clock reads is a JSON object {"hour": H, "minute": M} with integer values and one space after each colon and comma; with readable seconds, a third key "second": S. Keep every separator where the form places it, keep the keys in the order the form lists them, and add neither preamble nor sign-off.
{"hour": 1, "minute": 51}
